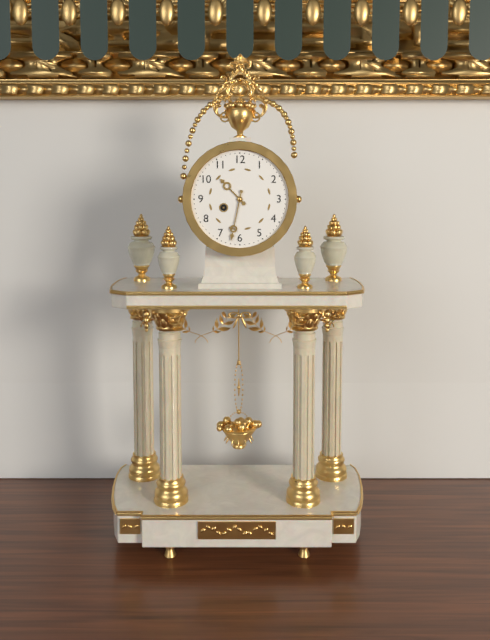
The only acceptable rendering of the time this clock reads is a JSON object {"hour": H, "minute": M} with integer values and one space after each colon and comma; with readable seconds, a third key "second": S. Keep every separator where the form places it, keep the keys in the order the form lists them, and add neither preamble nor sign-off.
{"hour": 10, "minute": 32}
